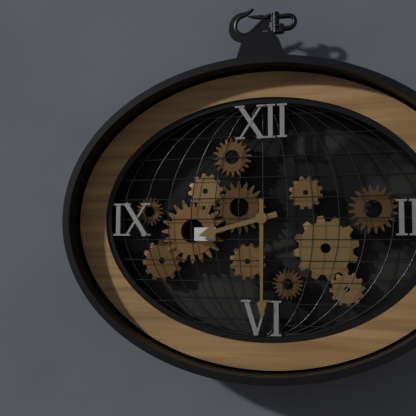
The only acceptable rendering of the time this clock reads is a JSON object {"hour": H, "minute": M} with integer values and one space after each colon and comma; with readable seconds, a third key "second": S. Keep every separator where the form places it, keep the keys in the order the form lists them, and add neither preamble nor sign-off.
{"hour": 8, "minute": 30}
